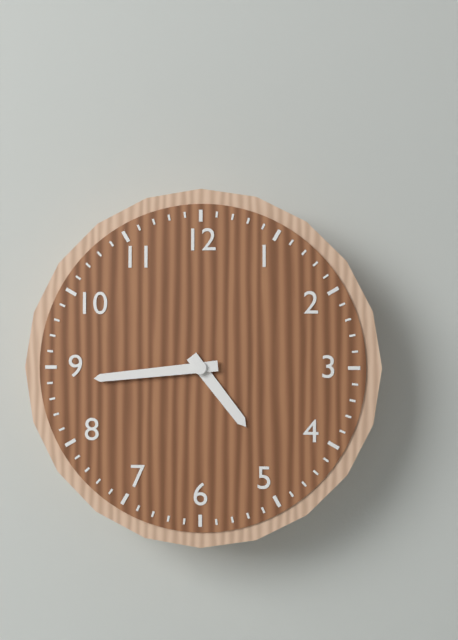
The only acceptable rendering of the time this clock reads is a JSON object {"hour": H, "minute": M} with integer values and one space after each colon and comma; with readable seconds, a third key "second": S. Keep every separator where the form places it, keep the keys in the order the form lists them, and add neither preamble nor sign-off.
{"hour": 4, "minute": 44}
